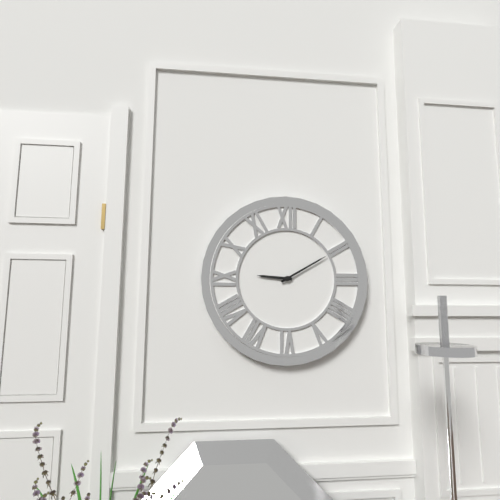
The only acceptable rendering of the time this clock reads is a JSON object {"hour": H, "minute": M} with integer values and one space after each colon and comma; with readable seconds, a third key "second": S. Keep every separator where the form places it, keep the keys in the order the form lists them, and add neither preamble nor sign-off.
{"hour": 9, "minute": 10}
